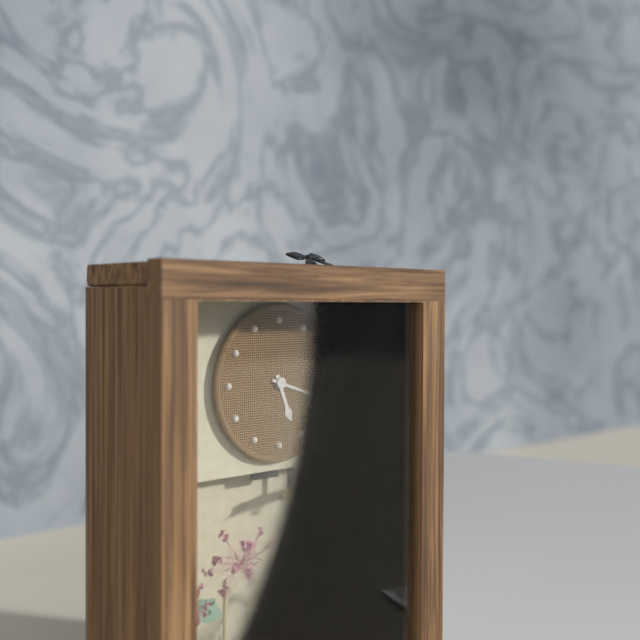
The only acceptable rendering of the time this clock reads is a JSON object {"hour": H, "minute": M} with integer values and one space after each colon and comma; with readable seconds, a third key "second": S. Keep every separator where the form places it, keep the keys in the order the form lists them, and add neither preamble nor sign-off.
{"hour": 5, "minute": 18}
